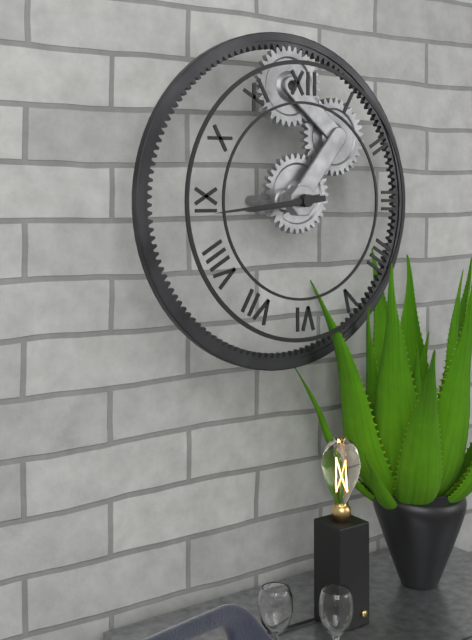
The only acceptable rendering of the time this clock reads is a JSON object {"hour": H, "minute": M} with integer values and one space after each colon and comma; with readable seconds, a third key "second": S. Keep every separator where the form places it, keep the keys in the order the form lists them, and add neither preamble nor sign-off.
{"hour": 8, "minute": 44}
